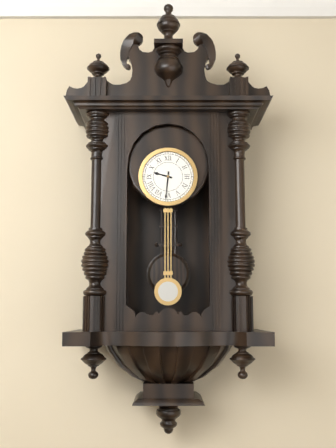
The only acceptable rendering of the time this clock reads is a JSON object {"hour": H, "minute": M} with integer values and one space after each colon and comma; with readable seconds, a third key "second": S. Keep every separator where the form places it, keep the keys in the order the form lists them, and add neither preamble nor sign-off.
{"hour": 9, "minute": 31}
